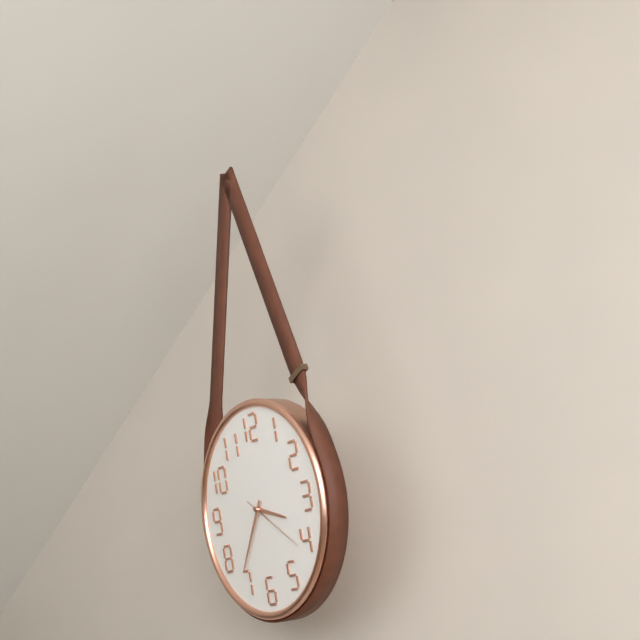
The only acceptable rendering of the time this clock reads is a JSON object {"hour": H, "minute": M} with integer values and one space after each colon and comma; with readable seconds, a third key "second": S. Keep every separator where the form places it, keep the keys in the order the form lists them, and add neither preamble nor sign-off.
{"hour": 3, "minute": 36, "second": 21}
